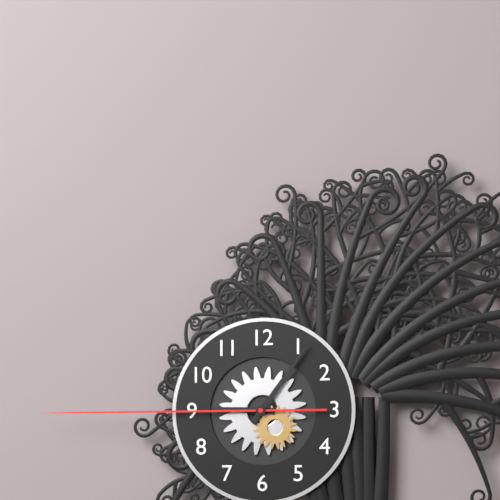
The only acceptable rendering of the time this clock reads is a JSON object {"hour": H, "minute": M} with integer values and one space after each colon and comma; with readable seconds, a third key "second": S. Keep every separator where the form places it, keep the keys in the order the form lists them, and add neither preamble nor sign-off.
{"hour": 9, "minute": 6, "second": 45}
